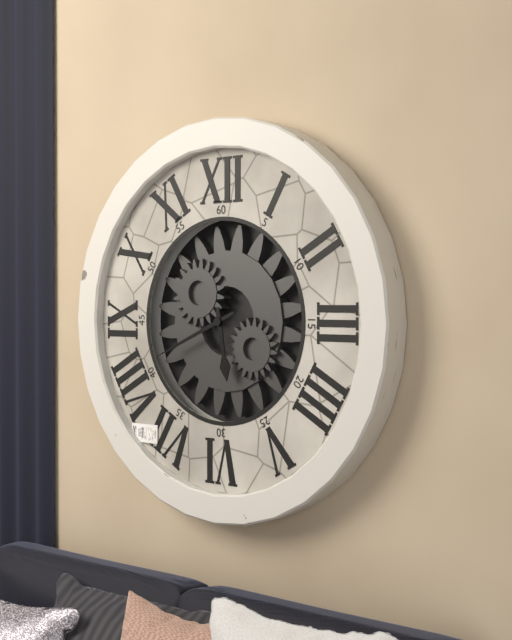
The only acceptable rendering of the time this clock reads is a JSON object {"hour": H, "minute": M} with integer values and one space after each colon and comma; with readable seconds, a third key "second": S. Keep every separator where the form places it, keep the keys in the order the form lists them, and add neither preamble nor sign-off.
{"hour": 5, "minute": 41}
